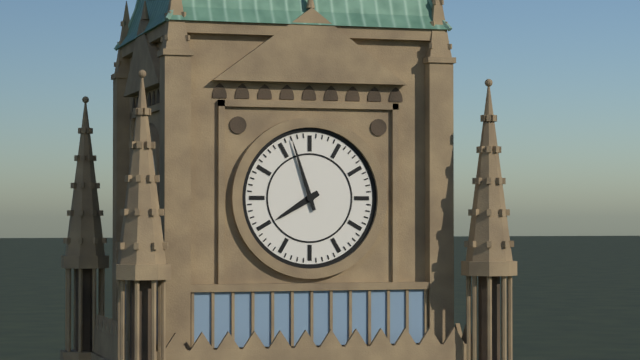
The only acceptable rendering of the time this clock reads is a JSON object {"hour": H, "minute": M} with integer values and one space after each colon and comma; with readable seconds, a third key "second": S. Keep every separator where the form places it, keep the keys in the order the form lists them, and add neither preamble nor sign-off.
{"hour": 7, "minute": 57}
